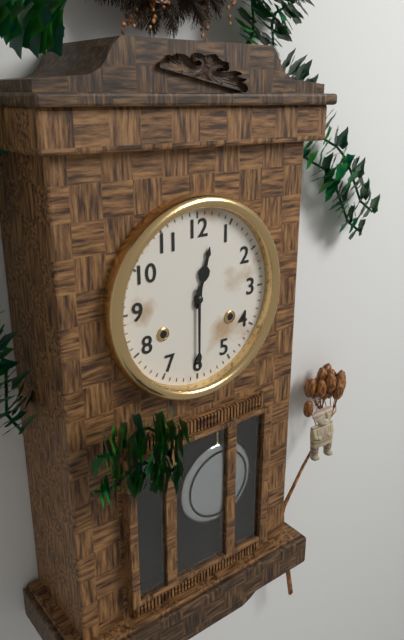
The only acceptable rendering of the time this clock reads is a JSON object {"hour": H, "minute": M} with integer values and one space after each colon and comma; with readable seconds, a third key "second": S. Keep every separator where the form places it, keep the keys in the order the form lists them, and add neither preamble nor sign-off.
{"hour": 12, "minute": 30}
